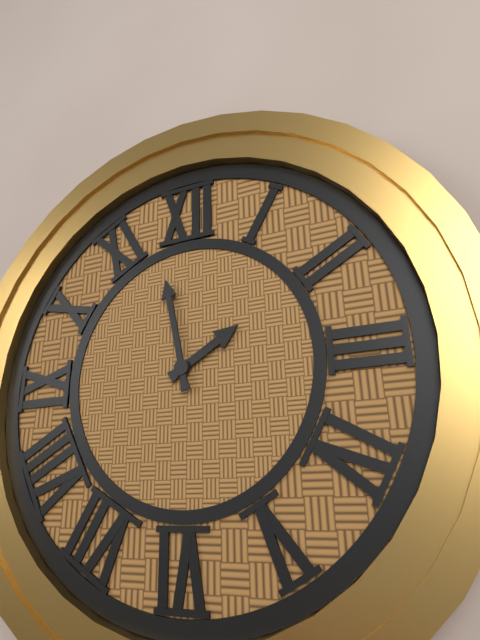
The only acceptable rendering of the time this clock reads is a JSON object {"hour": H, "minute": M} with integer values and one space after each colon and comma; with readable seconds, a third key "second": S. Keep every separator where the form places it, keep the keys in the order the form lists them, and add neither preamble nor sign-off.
{"hour": 1, "minute": 58}
